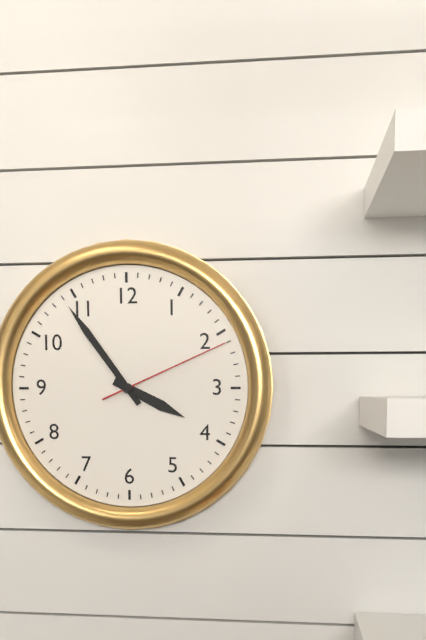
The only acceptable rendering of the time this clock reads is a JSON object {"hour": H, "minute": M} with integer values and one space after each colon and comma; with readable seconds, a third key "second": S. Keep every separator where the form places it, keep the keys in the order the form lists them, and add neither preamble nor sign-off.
{"hour": 3, "minute": 54, "second": 11}
